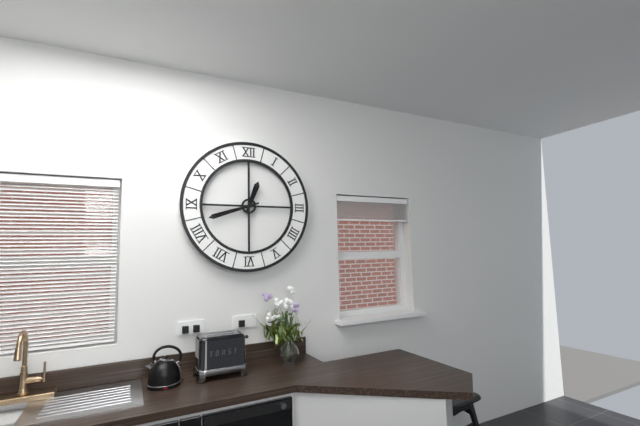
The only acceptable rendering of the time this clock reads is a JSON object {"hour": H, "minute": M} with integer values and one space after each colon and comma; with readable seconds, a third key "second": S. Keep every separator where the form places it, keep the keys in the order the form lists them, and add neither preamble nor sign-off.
{"hour": 12, "minute": 42}
